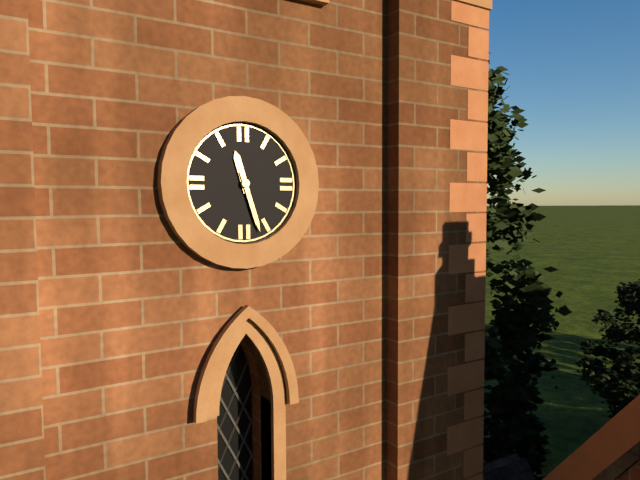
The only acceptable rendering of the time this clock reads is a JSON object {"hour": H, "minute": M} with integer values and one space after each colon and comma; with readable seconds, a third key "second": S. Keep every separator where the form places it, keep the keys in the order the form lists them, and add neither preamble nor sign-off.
{"hour": 11, "minute": 27}
